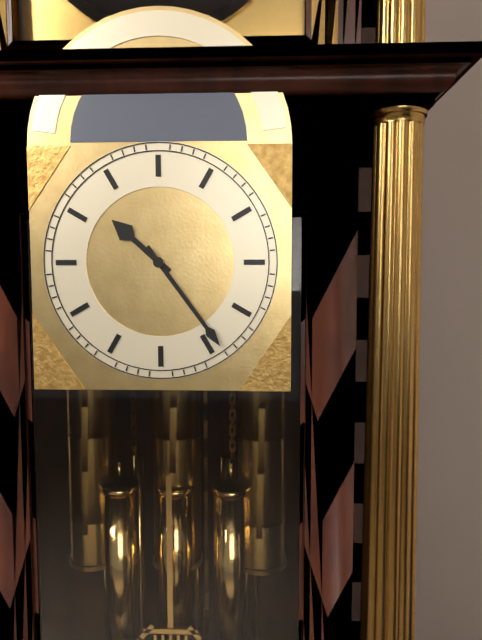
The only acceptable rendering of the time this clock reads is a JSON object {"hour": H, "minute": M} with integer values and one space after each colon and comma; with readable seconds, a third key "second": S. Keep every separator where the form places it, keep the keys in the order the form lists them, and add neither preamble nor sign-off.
{"hour": 10, "minute": 24}
